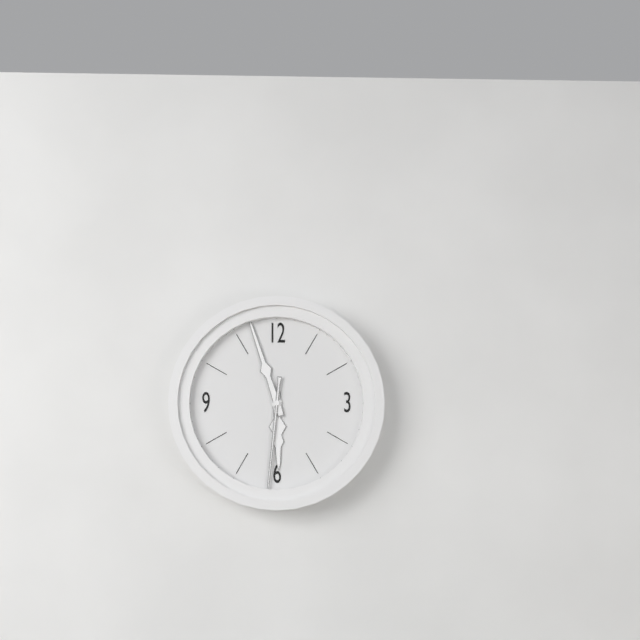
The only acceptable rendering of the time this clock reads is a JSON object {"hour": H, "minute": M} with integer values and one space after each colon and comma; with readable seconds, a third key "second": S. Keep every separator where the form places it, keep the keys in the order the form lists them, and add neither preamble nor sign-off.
{"hour": 5, "minute": 57, "second": 31}
